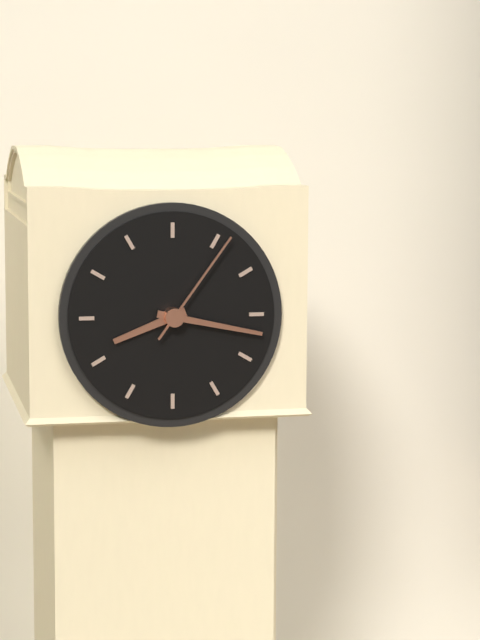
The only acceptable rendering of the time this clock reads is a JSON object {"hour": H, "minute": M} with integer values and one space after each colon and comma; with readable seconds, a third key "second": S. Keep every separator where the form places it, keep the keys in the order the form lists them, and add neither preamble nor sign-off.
{"hour": 8, "minute": 17, "second": 6}
